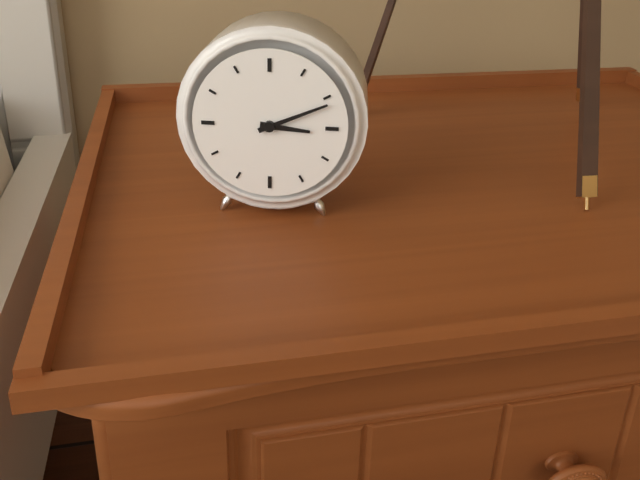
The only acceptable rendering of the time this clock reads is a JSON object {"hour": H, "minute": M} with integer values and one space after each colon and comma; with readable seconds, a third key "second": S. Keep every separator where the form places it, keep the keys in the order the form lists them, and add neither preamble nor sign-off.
{"hour": 3, "minute": 11}
